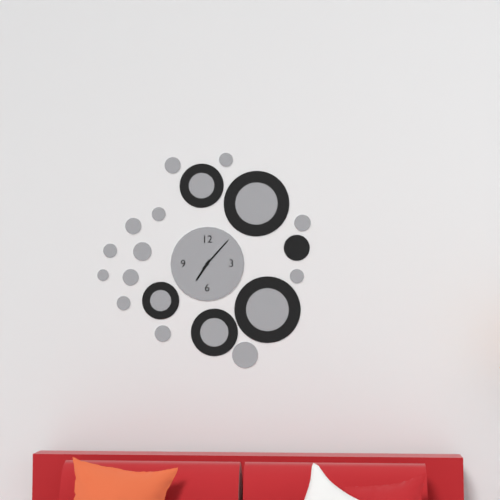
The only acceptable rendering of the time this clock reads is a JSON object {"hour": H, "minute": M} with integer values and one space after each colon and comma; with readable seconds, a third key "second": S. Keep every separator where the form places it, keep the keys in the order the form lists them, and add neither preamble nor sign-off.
{"hour": 7, "minute": 7}
